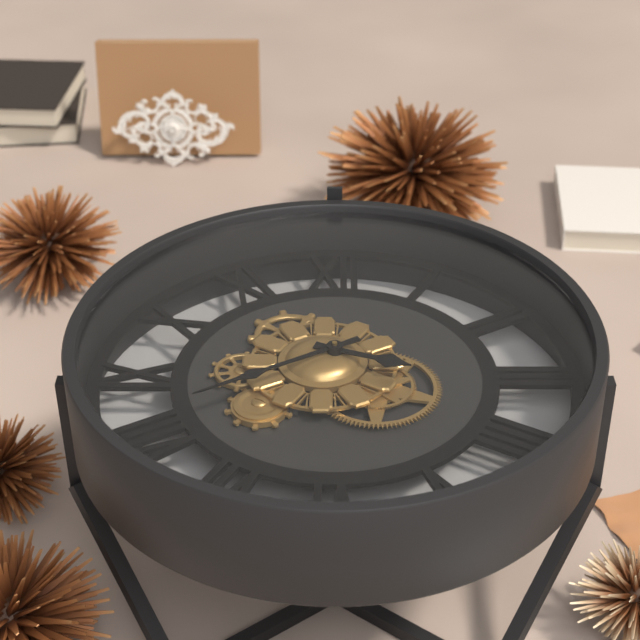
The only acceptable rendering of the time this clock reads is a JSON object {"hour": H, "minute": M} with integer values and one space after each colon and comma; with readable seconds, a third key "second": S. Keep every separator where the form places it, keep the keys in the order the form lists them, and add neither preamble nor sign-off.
{"hour": 3, "minute": 40}
